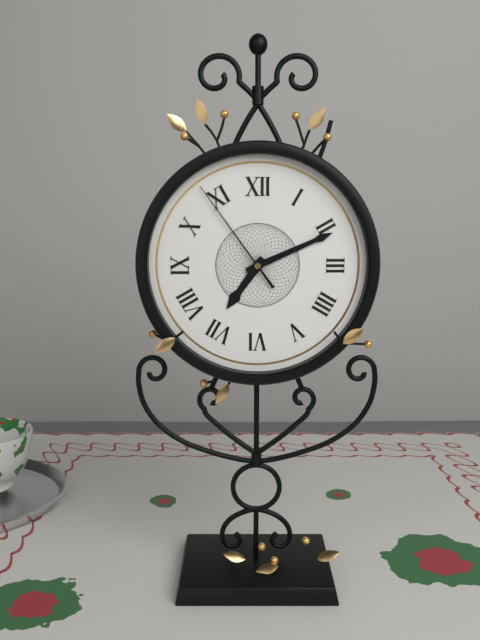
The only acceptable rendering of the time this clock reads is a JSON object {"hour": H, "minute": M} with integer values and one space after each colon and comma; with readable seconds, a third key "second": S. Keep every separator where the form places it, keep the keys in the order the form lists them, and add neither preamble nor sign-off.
{"hour": 7, "minute": 11, "second": 54}
